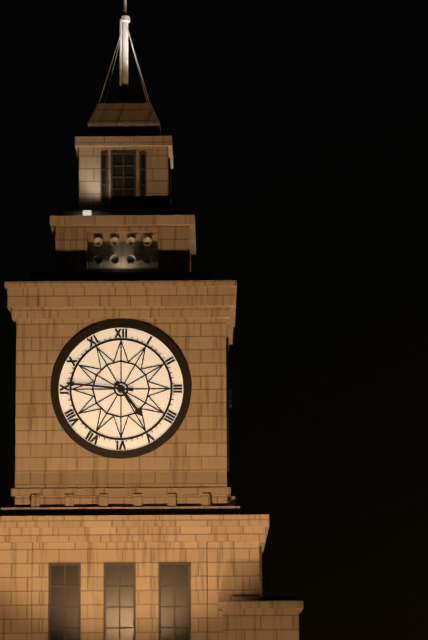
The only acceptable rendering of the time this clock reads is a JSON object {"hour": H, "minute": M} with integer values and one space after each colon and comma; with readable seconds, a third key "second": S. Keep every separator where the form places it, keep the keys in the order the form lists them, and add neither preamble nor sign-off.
{"hour": 4, "minute": 46}
